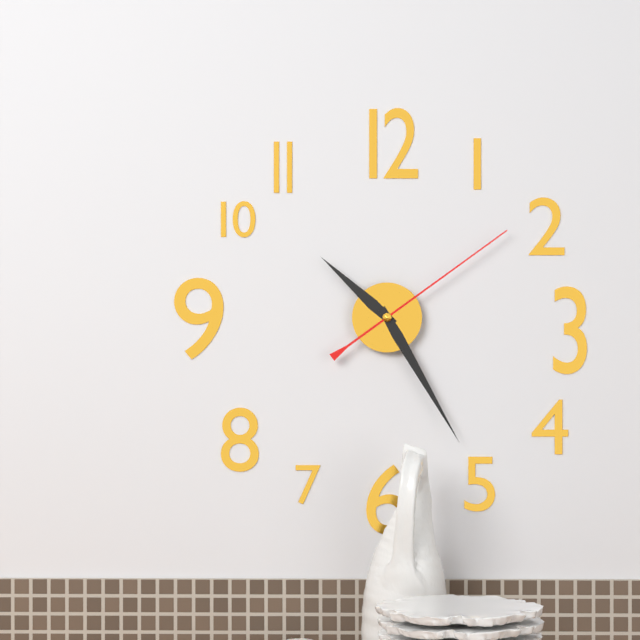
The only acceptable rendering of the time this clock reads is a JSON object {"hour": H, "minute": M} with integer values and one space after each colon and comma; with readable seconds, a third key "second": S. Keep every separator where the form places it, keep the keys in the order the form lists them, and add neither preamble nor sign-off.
{"hour": 10, "minute": 25, "second": 9}
